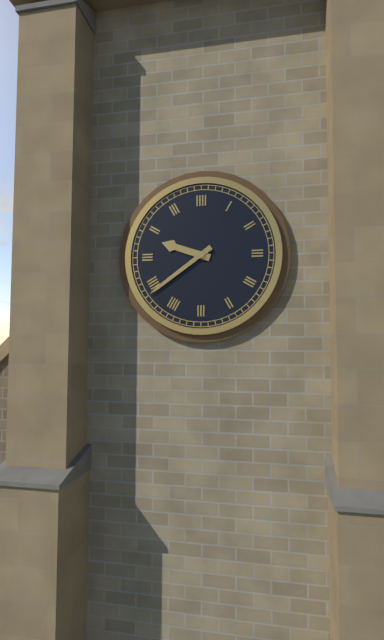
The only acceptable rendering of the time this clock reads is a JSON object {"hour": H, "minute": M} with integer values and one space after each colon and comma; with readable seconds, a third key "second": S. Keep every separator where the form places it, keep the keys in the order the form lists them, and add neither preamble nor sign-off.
{"hour": 9, "minute": 39}
